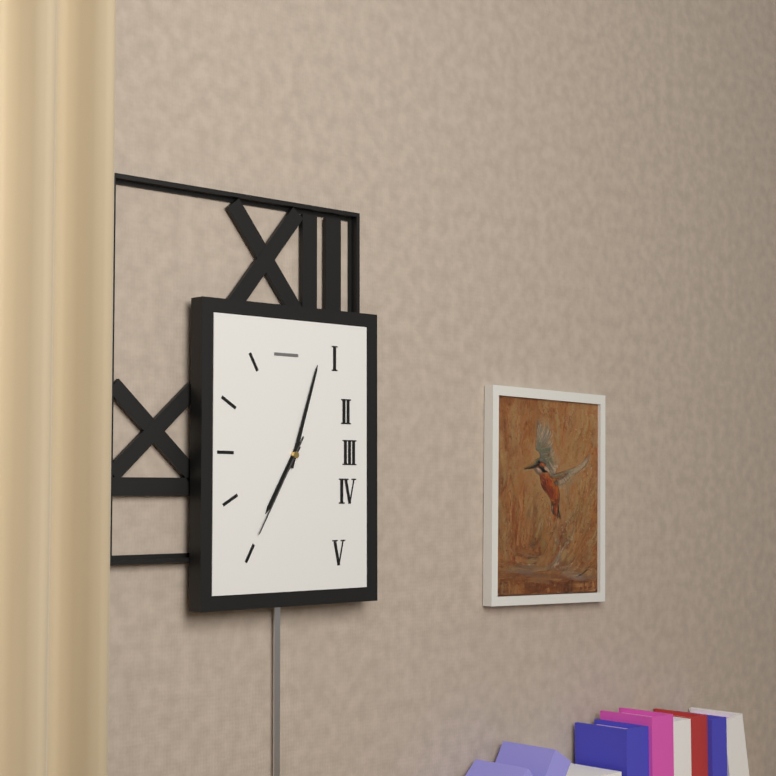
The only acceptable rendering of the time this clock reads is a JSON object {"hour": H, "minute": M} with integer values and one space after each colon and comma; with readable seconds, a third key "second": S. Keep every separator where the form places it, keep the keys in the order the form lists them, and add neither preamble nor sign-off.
{"hour": 7, "minute": 3, "second": 35}
